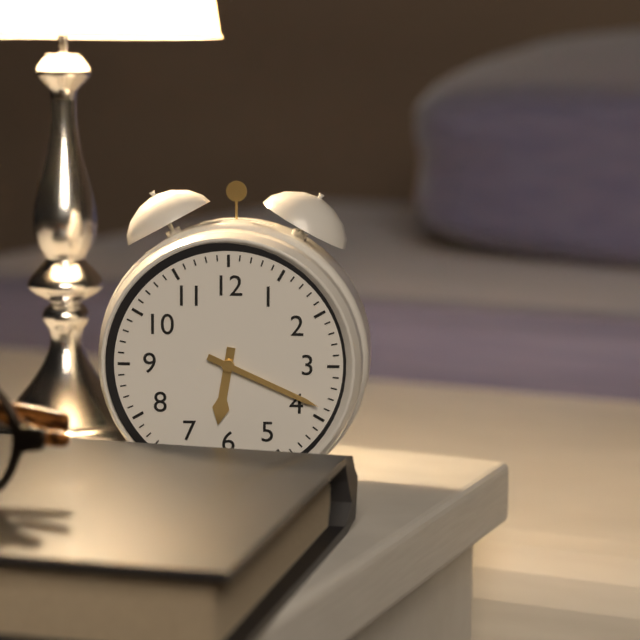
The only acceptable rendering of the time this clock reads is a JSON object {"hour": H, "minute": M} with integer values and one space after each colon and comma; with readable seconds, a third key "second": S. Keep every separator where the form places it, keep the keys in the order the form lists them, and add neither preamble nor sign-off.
{"hour": 6, "minute": 19}
